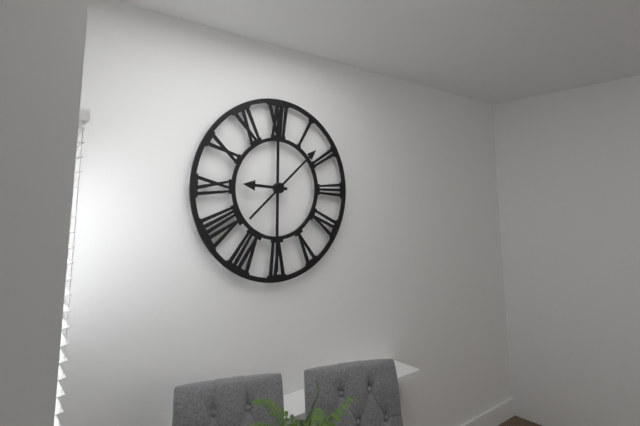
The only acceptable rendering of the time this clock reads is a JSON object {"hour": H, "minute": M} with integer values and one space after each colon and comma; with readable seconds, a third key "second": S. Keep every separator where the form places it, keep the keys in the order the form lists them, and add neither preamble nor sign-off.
{"hour": 9, "minute": 8}
